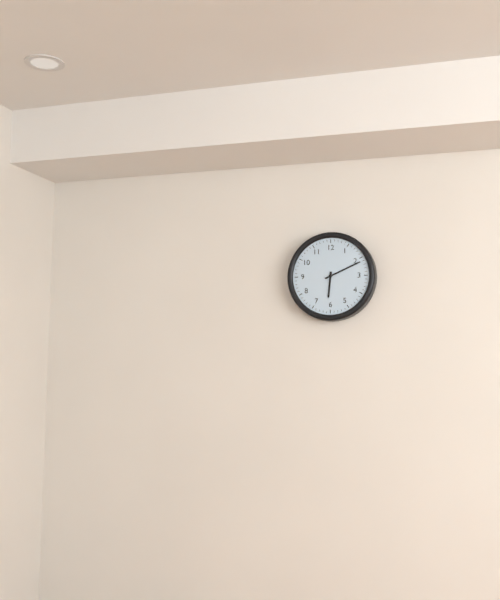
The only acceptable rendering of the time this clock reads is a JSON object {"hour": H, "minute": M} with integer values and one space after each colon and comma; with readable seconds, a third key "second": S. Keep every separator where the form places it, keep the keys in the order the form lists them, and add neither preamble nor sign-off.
{"hour": 6, "minute": 11}
